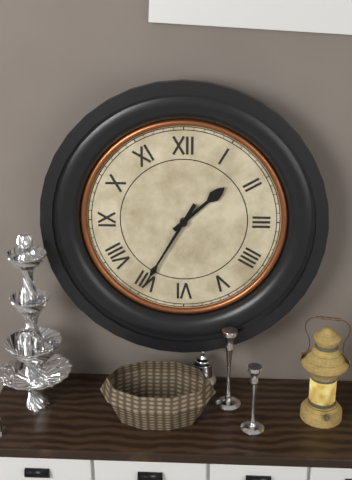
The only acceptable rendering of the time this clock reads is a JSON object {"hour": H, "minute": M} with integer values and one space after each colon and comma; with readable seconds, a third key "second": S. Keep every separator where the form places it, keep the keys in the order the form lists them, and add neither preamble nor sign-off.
{"hour": 1, "minute": 35}
